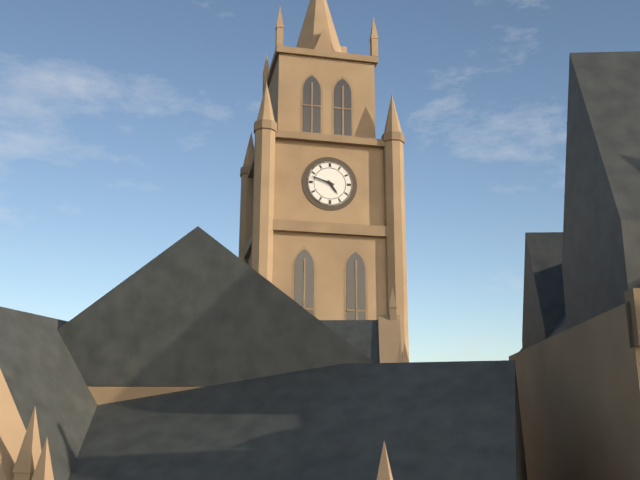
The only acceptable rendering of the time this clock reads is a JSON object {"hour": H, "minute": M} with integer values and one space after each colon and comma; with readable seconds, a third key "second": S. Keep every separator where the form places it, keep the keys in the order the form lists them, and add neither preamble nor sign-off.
{"hour": 4, "minute": 48}
